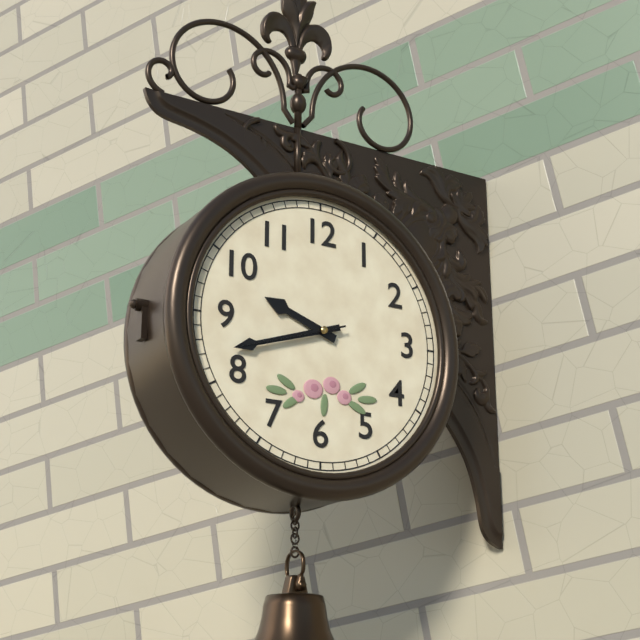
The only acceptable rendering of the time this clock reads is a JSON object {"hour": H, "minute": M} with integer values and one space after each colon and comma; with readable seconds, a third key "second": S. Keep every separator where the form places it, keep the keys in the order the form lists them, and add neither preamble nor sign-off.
{"hour": 9, "minute": 42, "second": 42}
